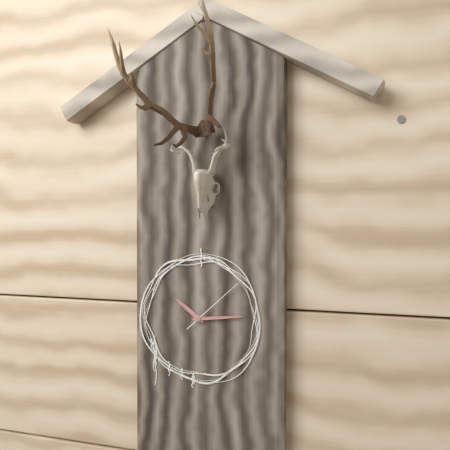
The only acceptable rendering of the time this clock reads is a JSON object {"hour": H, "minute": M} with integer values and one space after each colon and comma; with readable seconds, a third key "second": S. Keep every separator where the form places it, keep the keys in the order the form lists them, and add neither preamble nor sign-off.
{"hour": 10, "minute": 14, "second": 8}
